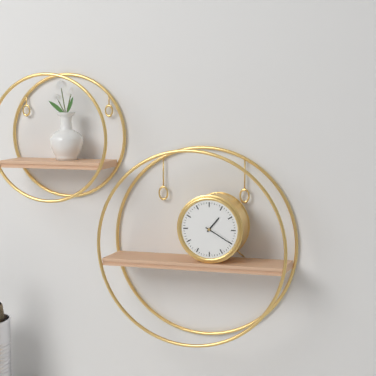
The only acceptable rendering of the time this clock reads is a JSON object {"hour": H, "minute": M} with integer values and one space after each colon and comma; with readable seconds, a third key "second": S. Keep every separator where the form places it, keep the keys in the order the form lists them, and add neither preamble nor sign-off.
{"hour": 1, "minute": 20}
